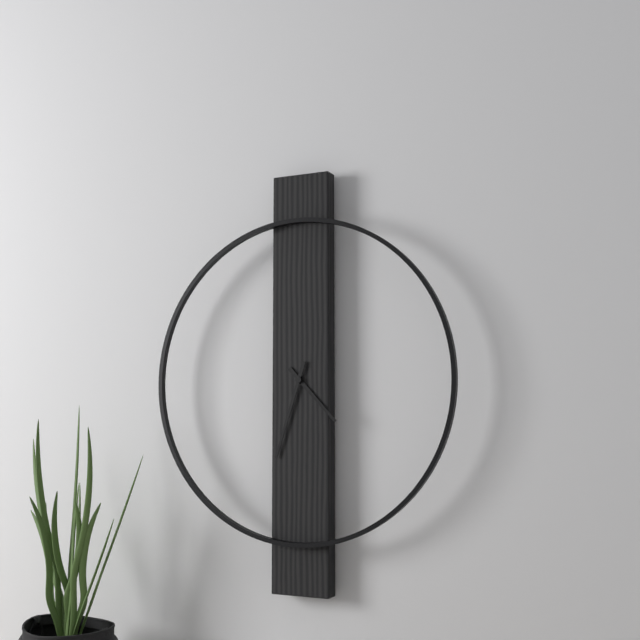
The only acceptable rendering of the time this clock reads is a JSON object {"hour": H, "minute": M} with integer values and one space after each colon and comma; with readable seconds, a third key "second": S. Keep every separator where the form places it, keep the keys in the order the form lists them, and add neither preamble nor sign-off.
{"hour": 4, "minute": 33}
